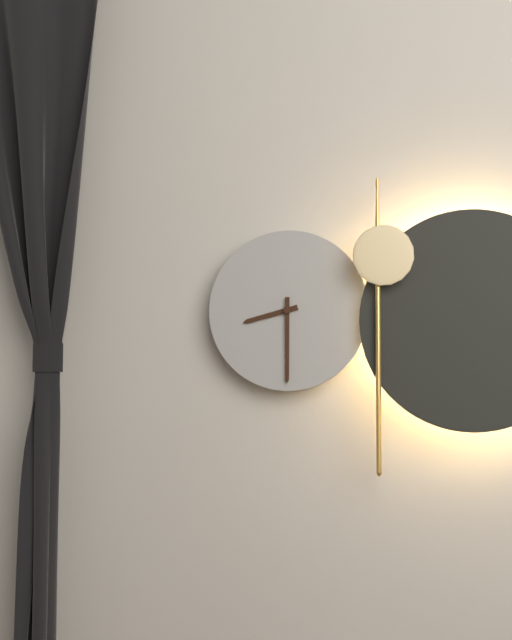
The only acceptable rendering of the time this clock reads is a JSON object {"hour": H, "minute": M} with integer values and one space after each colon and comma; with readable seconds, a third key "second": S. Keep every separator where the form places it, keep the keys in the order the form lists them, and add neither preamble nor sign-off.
{"hour": 8, "minute": 30}
